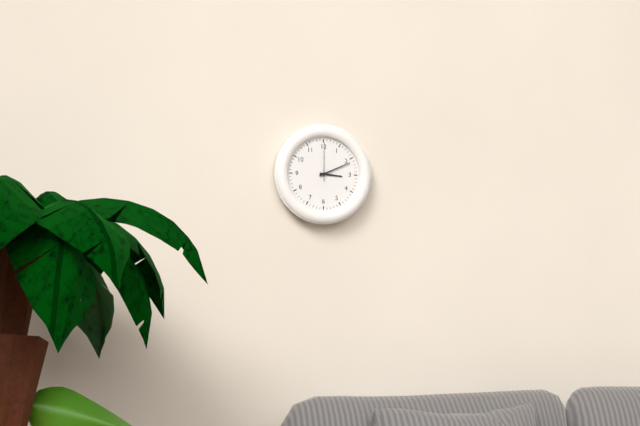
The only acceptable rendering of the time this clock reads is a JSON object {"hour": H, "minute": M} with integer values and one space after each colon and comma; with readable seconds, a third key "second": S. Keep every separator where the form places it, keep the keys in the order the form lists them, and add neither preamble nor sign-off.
{"hour": 3, "minute": 11}
